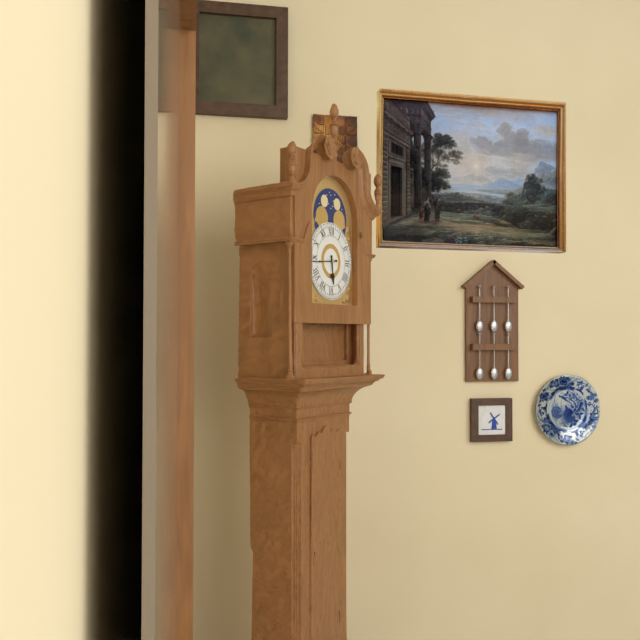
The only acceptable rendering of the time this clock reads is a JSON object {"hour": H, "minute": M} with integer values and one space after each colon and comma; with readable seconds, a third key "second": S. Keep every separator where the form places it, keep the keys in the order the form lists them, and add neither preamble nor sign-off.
{"hour": 5, "minute": 44}
